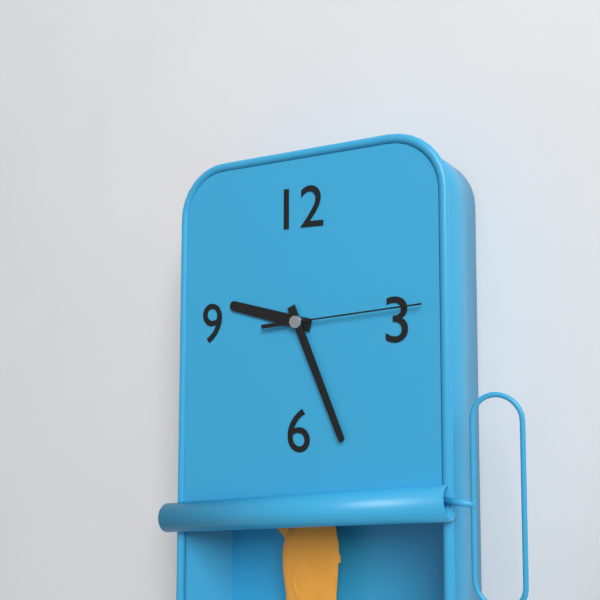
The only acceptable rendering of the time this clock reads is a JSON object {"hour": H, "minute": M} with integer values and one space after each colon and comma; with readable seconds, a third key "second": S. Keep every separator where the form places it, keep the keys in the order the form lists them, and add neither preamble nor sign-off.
{"hour": 9, "minute": 26, "second": 14}
